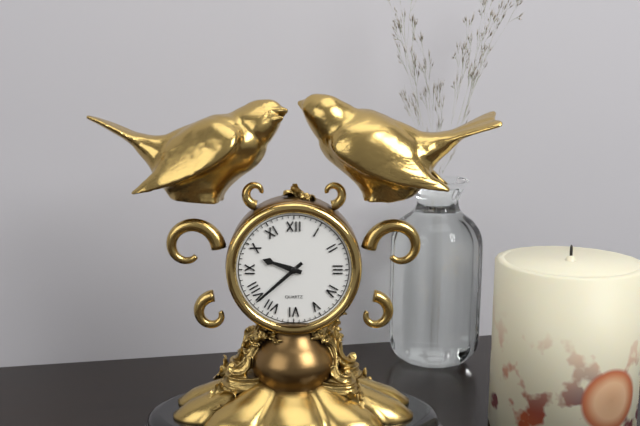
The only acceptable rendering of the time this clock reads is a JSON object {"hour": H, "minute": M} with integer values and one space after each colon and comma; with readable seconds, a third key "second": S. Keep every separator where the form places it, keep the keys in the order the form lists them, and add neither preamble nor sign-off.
{"hour": 9, "minute": 38}
